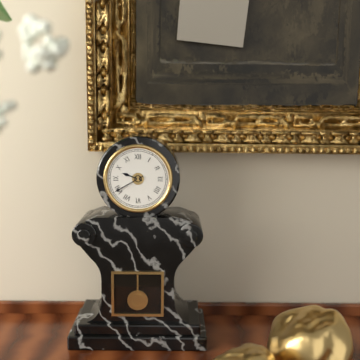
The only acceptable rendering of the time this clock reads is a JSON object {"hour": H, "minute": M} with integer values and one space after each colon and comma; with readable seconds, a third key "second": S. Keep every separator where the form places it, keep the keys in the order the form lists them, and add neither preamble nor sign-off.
{"hour": 9, "minute": 40}
